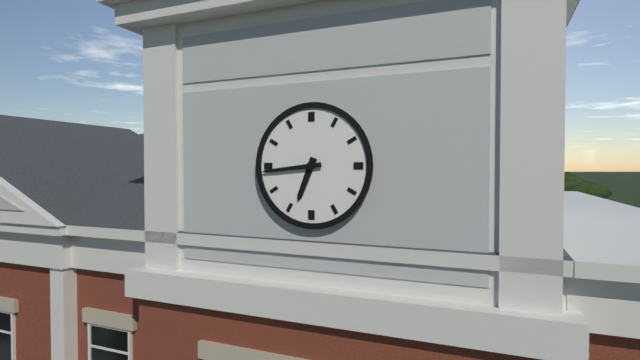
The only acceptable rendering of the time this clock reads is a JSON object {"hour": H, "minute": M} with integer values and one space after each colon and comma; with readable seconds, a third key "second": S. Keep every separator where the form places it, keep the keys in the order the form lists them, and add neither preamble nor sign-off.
{"hour": 6, "minute": 44}
